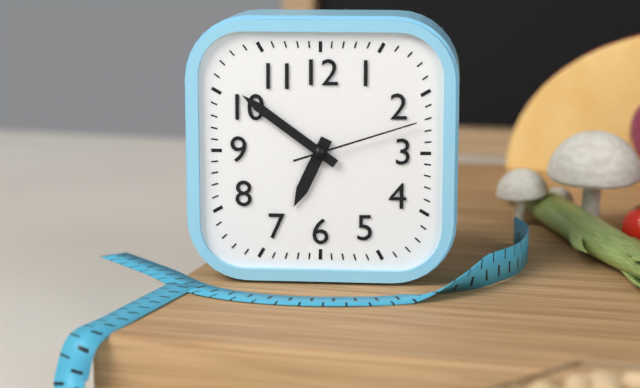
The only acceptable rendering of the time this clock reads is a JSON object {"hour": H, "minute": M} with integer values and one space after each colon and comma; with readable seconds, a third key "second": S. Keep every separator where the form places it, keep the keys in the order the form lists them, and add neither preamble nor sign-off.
{"hour": 6, "minute": 51, "second": 12}
